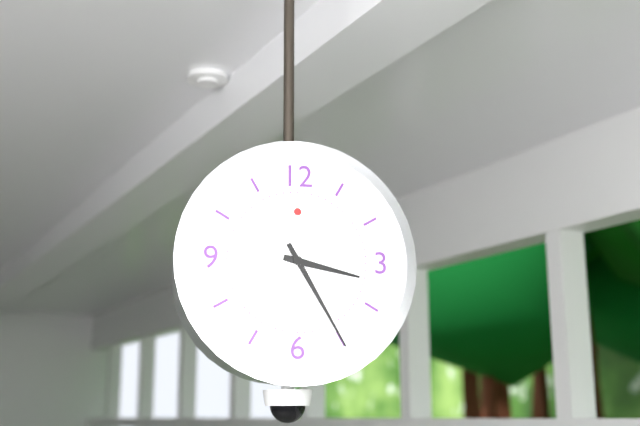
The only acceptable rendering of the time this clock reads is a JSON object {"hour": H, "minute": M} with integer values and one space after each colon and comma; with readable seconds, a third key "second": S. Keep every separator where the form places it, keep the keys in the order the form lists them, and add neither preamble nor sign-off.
{"hour": 3, "minute": 25}
